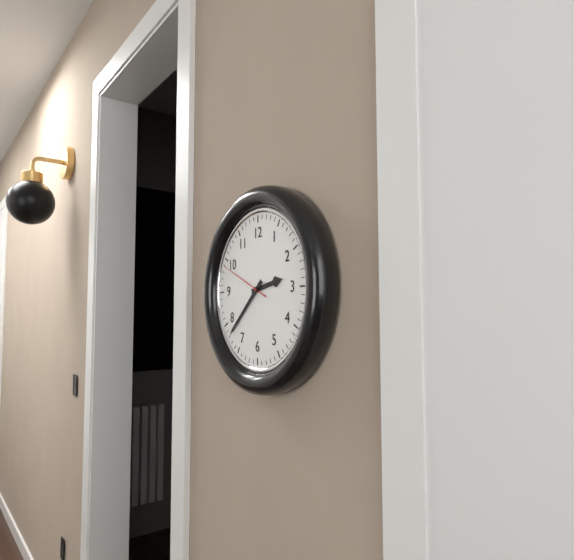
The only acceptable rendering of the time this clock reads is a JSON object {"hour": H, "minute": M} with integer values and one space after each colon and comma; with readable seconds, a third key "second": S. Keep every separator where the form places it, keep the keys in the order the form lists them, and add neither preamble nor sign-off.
{"hour": 2, "minute": 38, "second": 49}
